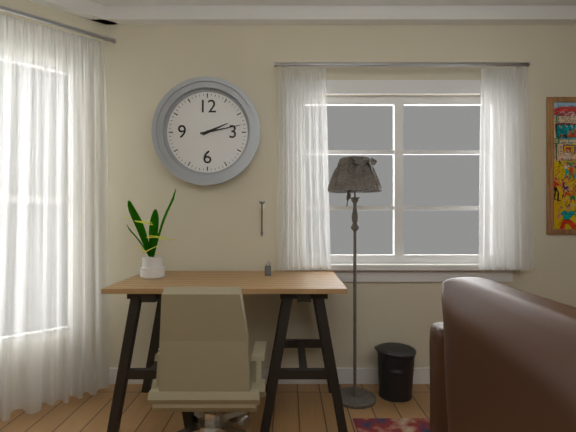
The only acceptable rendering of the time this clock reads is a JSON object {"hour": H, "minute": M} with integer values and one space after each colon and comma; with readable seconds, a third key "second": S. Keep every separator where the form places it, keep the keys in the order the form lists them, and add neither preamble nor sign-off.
{"hour": 2, "minute": 13}
